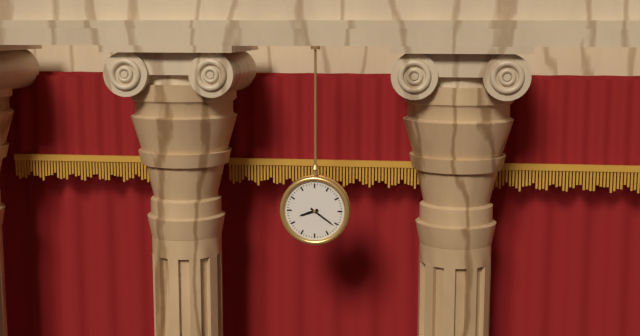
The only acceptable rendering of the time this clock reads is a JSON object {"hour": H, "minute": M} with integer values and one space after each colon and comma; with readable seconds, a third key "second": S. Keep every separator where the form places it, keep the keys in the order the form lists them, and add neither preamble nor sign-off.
{"hour": 8, "minute": 21}
